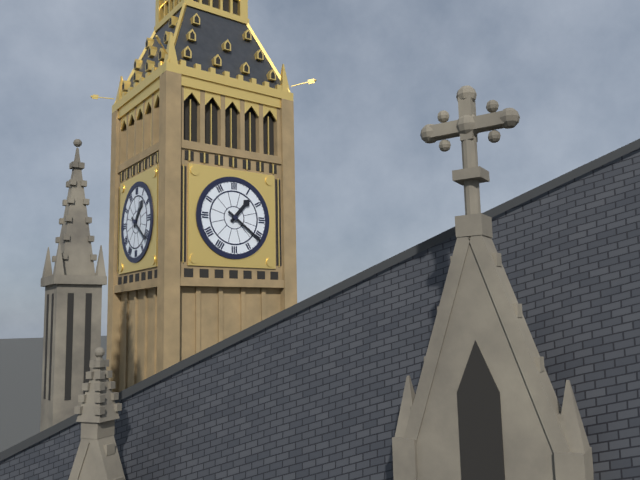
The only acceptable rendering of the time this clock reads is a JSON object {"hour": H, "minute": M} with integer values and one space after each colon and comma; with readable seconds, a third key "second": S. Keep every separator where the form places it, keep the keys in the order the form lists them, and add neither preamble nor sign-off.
{"hour": 1, "minute": 21}
